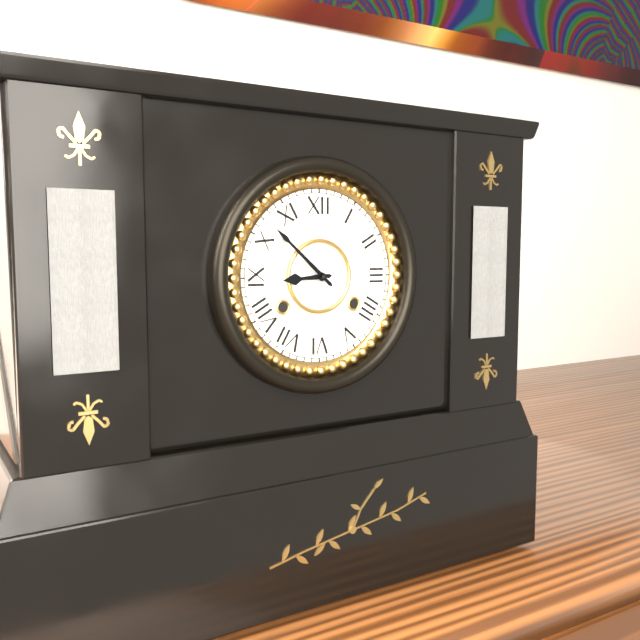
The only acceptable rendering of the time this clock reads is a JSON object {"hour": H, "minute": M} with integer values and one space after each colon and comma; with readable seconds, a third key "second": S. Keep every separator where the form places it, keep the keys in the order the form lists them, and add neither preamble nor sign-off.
{"hour": 8, "minute": 52}
